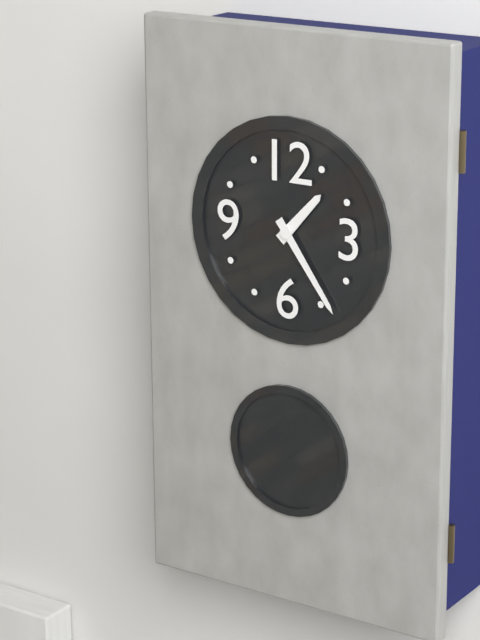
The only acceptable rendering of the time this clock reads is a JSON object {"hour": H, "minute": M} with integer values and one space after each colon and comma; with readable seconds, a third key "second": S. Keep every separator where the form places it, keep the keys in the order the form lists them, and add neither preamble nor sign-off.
{"hour": 1, "minute": 24}
